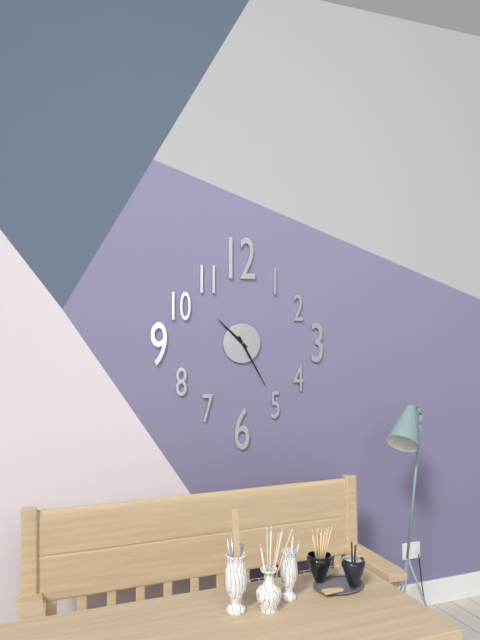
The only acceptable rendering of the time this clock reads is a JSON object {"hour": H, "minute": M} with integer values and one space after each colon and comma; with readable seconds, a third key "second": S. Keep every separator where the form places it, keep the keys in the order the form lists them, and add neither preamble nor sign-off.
{"hour": 10, "minute": 25}
